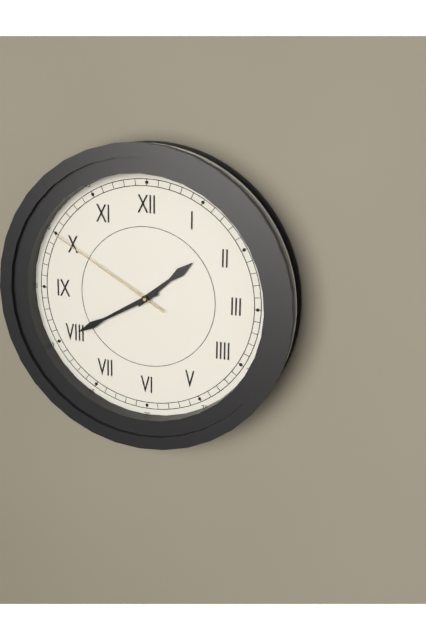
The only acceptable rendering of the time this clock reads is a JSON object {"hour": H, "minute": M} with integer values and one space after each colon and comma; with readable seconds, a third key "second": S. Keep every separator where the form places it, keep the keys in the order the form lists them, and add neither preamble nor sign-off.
{"hour": 1, "minute": 40, "second": 50}
